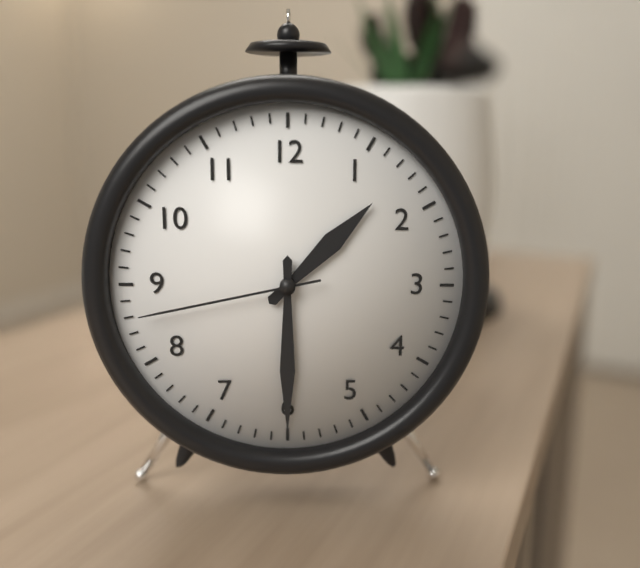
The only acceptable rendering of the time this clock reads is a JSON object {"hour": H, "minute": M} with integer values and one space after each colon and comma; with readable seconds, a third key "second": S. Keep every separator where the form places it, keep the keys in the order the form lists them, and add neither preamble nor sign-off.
{"hour": 1, "minute": 30, "second": 43}
